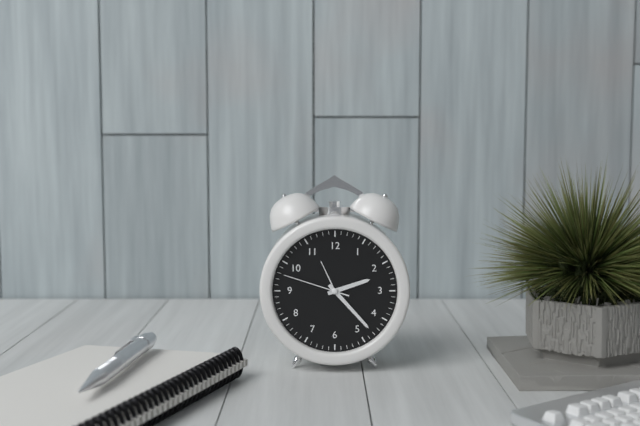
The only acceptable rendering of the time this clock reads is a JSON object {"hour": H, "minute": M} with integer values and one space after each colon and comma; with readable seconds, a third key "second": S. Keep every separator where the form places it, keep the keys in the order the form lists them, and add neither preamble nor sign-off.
{"hour": 2, "minute": 23, "second": 48}
